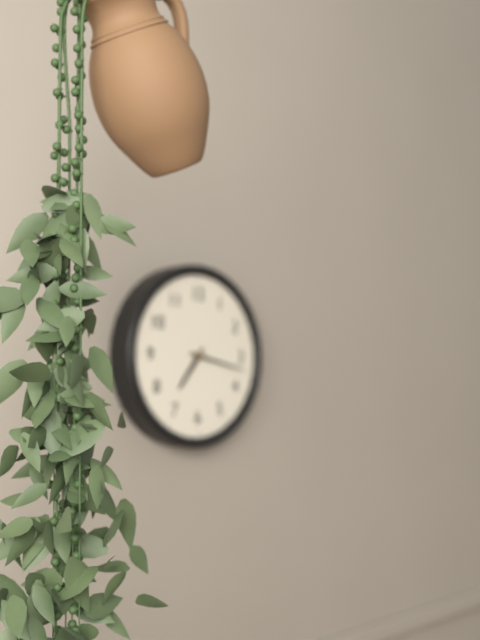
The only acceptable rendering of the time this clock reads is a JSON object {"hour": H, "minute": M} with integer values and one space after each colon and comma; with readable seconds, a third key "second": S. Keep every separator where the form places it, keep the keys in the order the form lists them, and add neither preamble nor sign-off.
{"hour": 7, "minute": 17}
